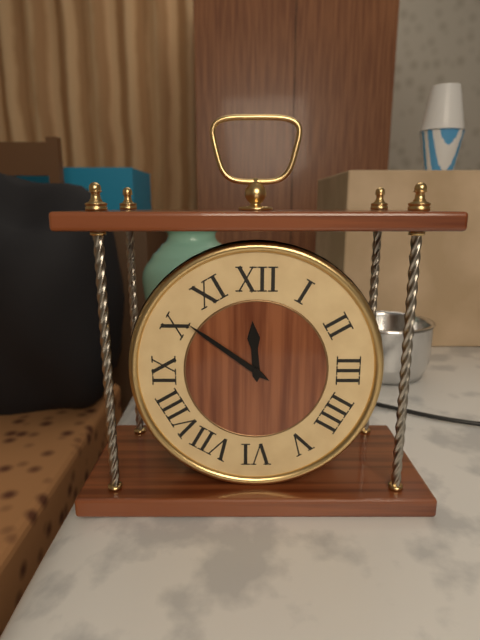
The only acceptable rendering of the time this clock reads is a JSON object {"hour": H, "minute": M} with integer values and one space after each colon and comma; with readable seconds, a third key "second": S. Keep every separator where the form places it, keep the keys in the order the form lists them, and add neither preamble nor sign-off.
{"hour": 11, "minute": 51}
